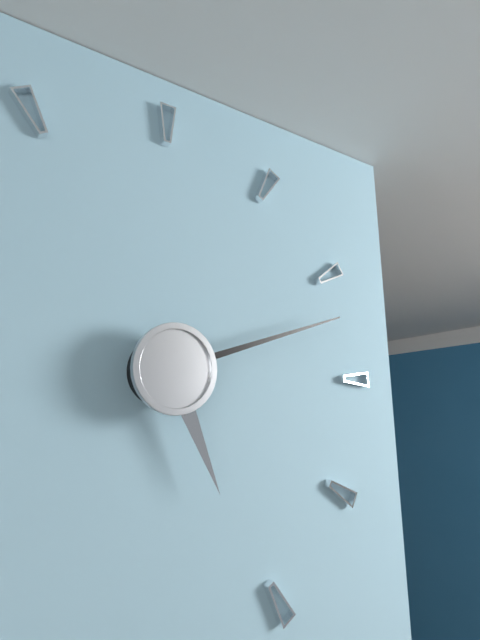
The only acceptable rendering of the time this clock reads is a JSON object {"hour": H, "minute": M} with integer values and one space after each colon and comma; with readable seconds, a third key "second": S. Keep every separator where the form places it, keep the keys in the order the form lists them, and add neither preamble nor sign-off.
{"hour": 5, "minute": 12}
